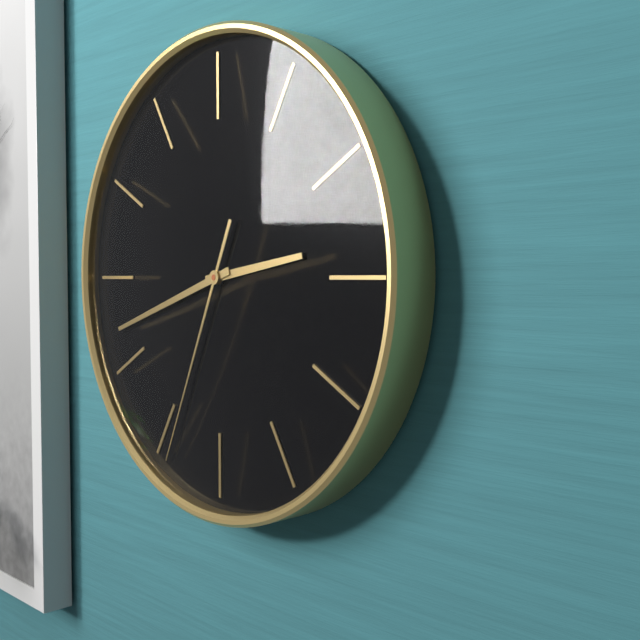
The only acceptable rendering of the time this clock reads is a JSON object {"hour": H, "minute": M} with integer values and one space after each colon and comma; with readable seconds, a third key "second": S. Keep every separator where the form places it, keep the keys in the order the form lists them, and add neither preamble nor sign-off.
{"hour": 2, "minute": 42, "second": 34}
